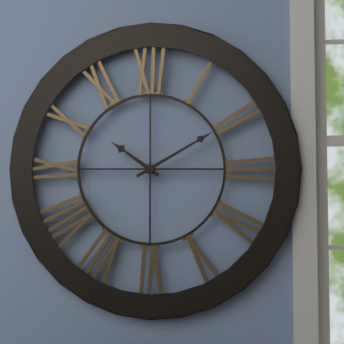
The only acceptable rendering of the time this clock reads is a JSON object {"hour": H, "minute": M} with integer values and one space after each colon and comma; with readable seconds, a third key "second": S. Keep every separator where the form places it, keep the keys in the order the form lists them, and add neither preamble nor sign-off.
{"hour": 10, "minute": 10}
